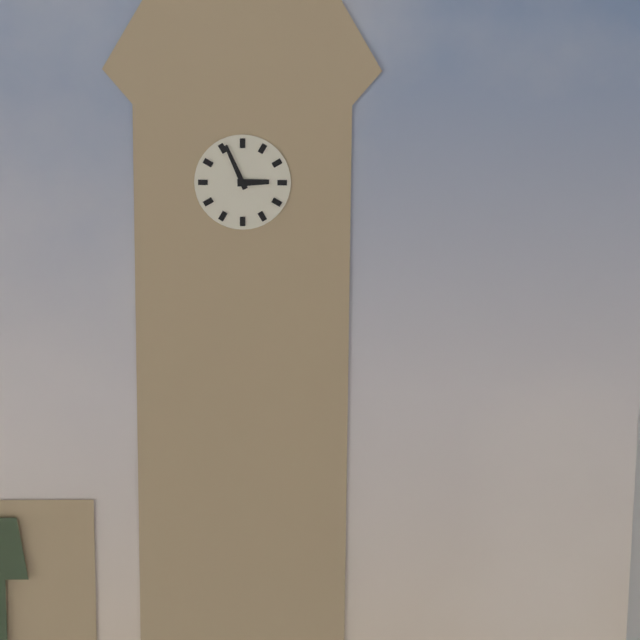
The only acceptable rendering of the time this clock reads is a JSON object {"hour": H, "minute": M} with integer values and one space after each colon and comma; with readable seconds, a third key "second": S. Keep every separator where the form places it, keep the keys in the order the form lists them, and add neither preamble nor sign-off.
{"hour": 2, "minute": 56}
